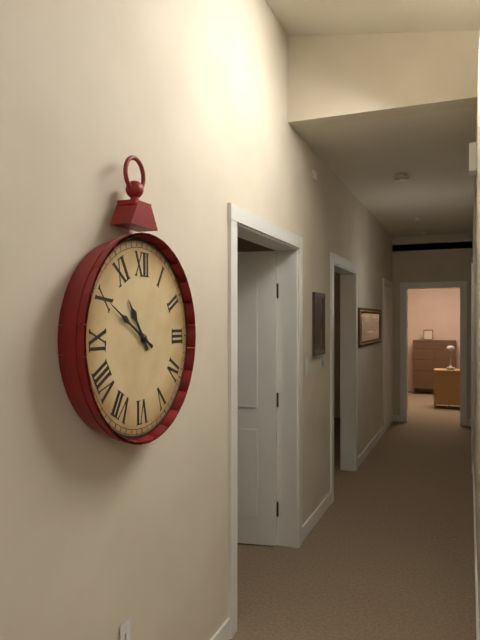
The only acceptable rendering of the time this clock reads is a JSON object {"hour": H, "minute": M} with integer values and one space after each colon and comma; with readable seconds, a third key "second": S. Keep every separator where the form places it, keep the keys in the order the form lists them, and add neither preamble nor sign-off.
{"hour": 10, "minute": 50}
